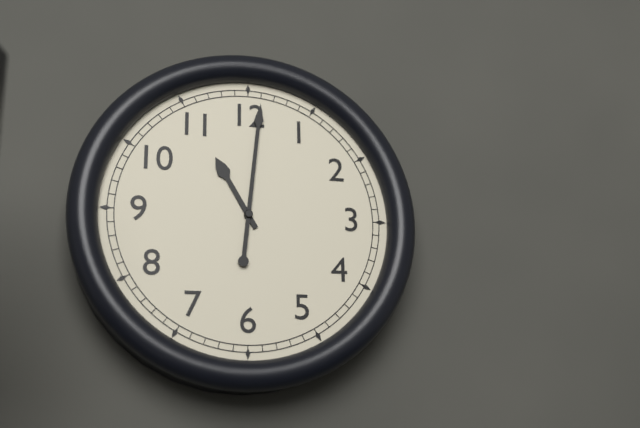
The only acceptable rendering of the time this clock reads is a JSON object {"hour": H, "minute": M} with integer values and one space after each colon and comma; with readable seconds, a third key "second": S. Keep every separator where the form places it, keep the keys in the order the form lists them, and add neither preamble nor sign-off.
{"hour": 11, "minute": 1}
